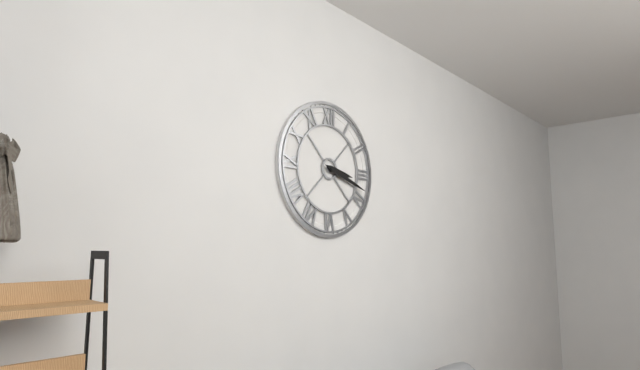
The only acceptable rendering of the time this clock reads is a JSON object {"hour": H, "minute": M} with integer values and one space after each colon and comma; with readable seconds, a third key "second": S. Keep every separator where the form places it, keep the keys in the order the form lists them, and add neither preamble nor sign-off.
{"hour": 3, "minute": 18}
